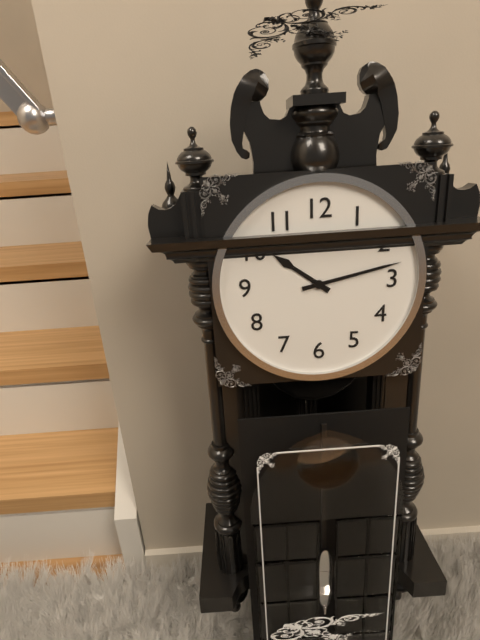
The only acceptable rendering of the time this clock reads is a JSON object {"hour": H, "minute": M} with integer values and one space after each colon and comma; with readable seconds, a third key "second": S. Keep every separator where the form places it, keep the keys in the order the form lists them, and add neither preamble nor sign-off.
{"hour": 10, "minute": 13}
